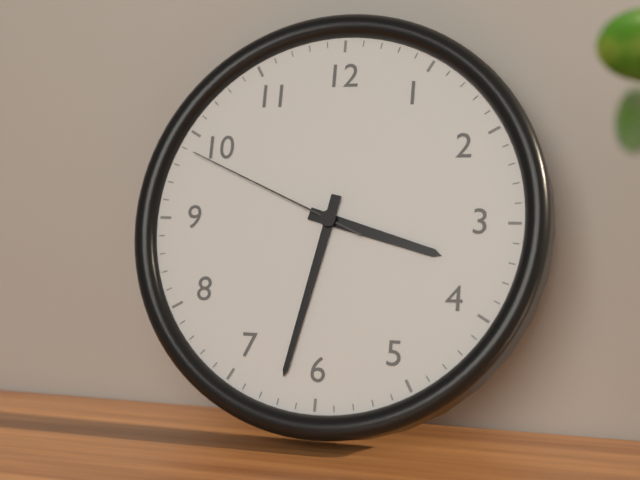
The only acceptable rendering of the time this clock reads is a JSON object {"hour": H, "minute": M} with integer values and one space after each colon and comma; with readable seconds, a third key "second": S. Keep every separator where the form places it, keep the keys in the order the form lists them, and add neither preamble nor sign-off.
{"hour": 3, "minute": 32, "second": 49}
